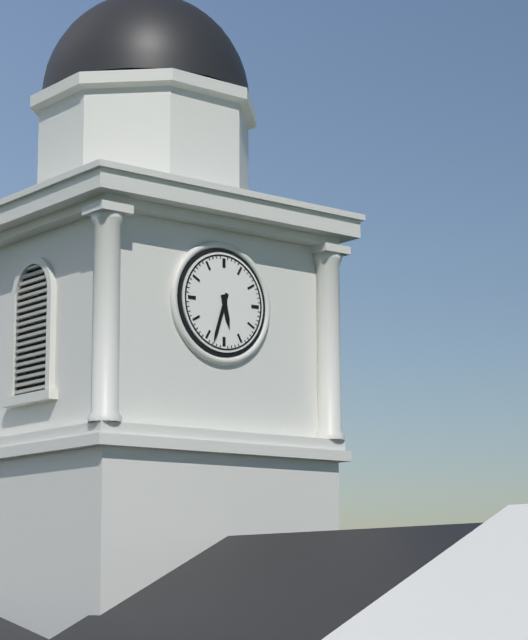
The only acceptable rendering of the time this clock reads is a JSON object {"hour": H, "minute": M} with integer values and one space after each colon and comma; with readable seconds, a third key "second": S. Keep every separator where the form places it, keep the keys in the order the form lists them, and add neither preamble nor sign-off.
{"hour": 5, "minute": 33}
